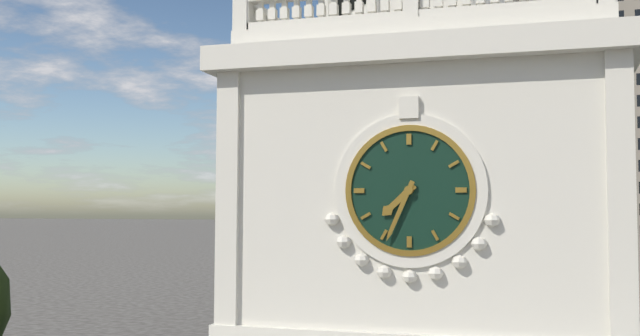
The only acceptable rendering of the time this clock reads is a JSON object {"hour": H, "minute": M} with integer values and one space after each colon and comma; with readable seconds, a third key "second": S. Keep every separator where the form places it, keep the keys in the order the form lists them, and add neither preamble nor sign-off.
{"hour": 7, "minute": 34}
